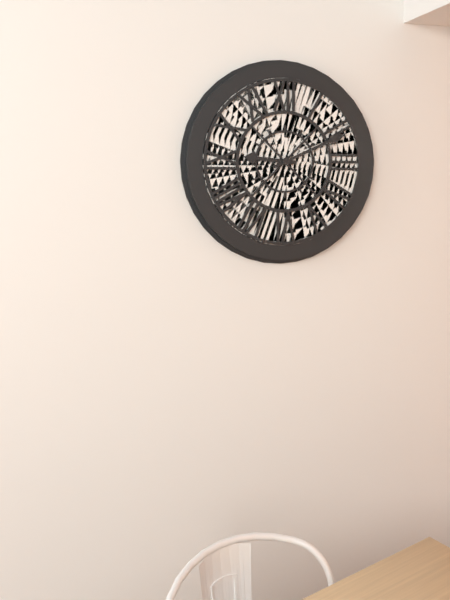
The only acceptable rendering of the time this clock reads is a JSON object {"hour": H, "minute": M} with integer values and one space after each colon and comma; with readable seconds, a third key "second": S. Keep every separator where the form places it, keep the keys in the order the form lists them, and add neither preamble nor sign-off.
{"hour": 9, "minute": 11}
